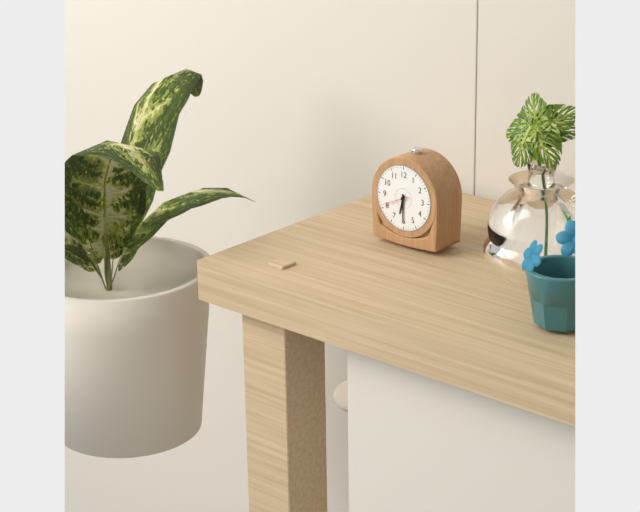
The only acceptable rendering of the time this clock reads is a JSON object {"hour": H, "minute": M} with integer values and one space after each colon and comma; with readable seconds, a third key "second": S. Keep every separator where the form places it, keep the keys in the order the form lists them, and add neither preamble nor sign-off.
{"hour": 6, "minute": 30}
